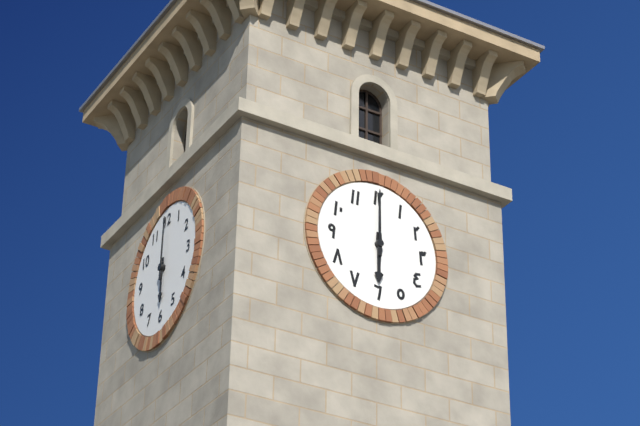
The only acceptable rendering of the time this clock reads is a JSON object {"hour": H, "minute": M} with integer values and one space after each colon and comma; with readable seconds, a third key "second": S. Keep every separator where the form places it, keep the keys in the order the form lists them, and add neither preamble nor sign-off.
{"hour": 6, "minute": 0}
